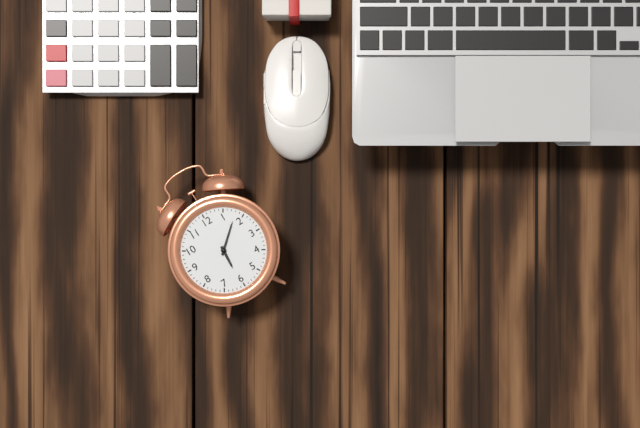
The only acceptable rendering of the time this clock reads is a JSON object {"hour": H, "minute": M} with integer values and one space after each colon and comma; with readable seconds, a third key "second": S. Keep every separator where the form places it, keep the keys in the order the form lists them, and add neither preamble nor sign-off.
{"hour": 6, "minute": 8}
